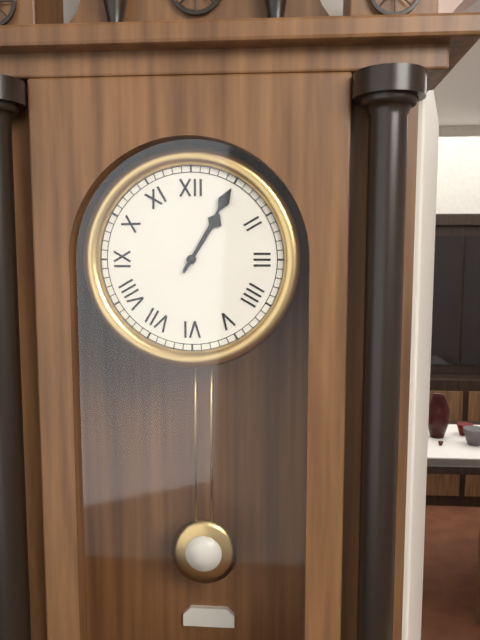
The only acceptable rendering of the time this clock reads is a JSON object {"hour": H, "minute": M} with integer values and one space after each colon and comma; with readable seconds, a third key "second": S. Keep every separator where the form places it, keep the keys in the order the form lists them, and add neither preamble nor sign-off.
{"hour": 1, "minute": 5}
